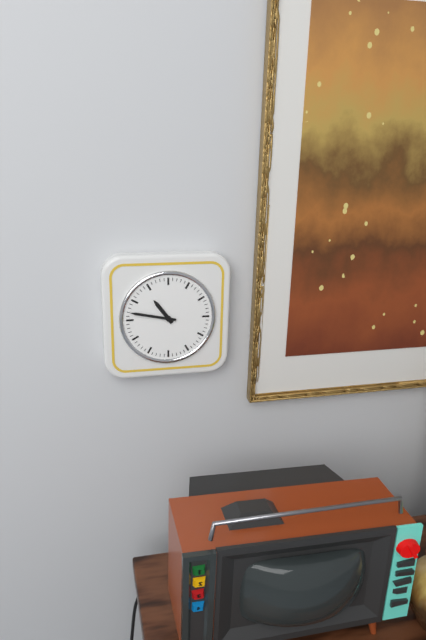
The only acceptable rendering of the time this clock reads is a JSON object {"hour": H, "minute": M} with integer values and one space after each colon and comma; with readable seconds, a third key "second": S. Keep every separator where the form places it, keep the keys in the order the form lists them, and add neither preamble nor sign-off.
{"hour": 10, "minute": 47}
